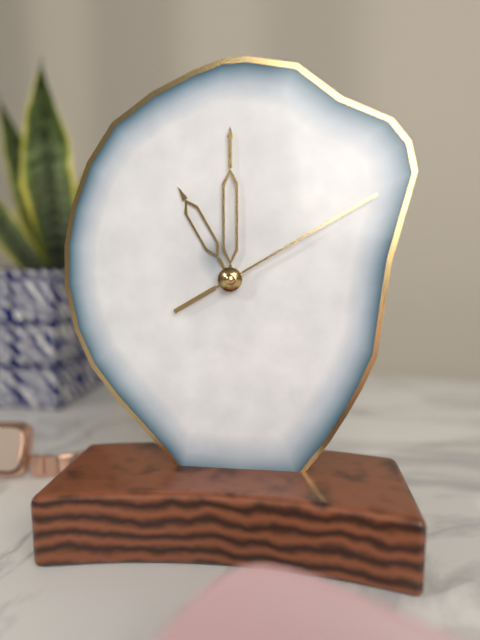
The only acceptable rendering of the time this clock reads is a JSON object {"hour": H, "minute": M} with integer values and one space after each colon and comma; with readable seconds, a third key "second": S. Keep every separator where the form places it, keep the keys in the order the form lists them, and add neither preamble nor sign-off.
{"hour": 11, "minute": 0, "second": 10}
